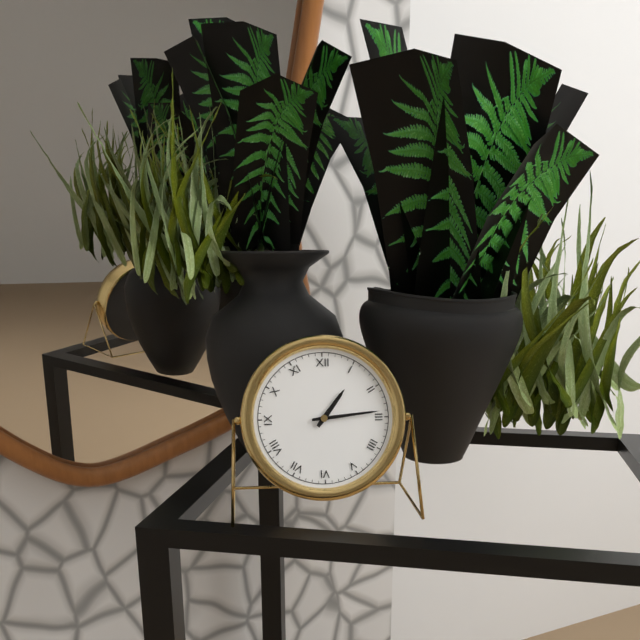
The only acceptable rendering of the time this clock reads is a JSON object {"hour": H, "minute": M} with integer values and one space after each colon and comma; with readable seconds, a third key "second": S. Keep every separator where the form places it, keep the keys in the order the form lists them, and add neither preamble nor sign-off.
{"hour": 1, "minute": 14}
